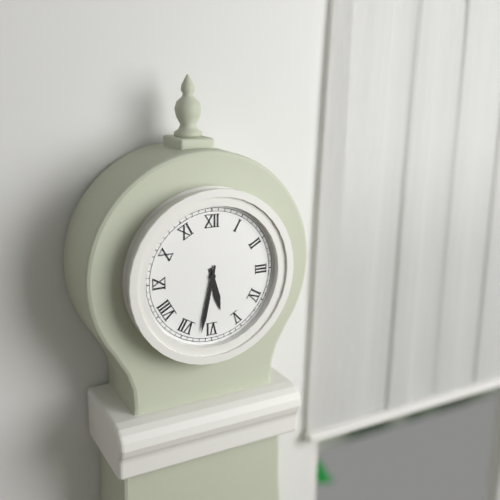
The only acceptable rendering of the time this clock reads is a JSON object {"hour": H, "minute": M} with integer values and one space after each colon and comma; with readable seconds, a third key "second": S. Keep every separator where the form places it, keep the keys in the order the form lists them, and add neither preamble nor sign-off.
{"hour": 5, "minute": 32}
